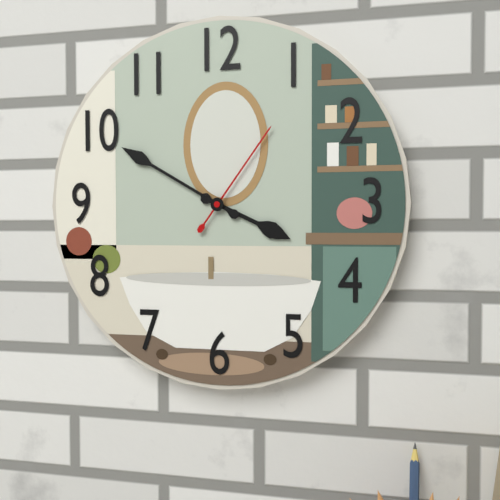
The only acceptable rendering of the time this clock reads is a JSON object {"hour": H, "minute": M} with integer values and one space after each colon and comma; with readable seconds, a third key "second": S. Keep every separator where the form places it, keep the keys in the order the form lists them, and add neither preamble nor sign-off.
{"hour": 3, "minute": 50, "second": 6}
